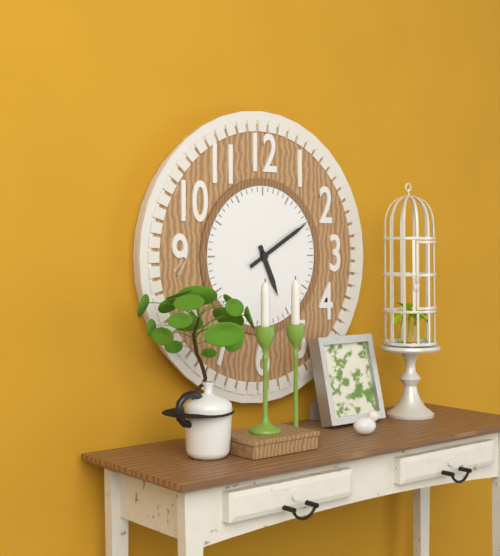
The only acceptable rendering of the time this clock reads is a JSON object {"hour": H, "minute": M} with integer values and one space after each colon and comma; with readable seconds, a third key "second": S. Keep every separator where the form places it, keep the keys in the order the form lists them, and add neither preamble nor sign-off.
{"hour": 5, "minute": 10}
